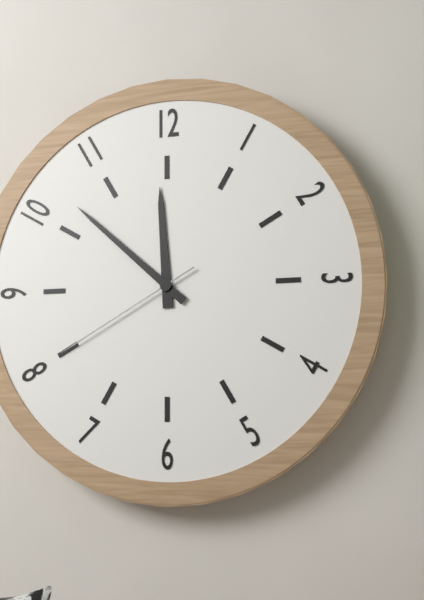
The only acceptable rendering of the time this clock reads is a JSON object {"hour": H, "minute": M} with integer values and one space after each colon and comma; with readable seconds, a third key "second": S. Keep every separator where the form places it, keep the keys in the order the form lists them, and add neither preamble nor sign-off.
{"hour": 11, "minute": 52, "second": 40}
